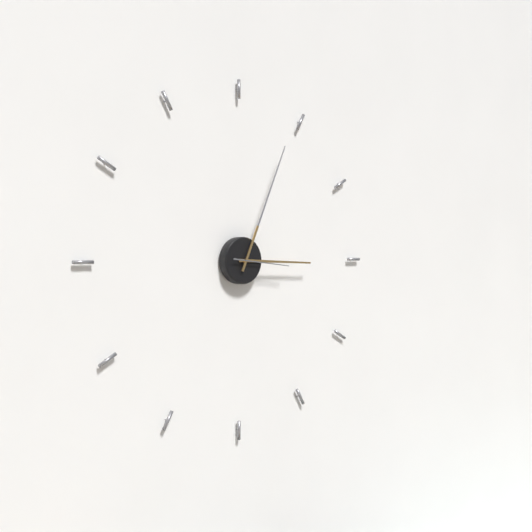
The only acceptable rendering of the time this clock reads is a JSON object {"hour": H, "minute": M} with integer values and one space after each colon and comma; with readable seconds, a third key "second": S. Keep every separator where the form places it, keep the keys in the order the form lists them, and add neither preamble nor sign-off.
{"hour": 3, "minute": 4, "second": 16}
